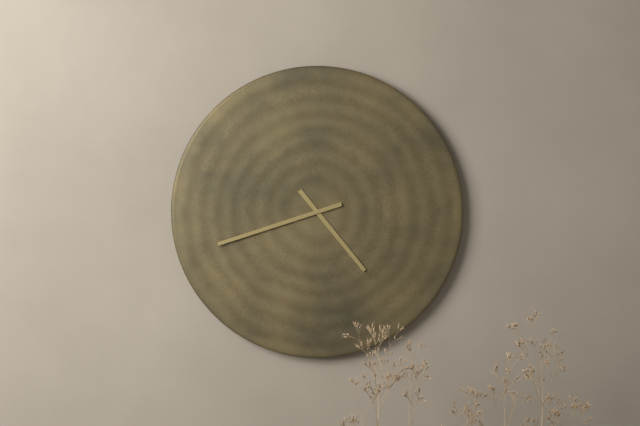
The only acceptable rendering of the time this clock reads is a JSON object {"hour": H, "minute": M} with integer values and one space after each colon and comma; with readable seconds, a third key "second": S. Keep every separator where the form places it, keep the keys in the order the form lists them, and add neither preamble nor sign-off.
{"hour": 4, "minute": 42}
